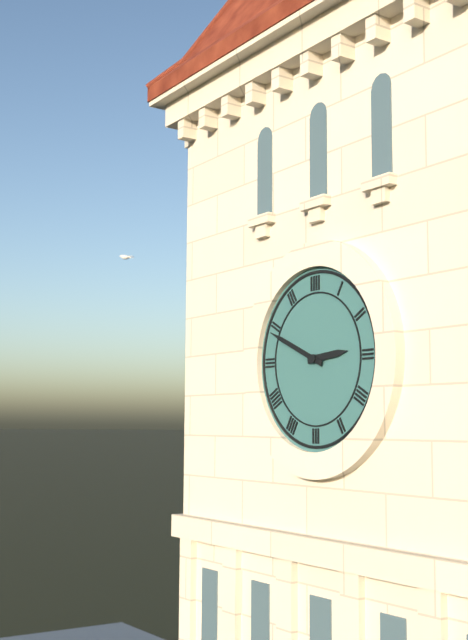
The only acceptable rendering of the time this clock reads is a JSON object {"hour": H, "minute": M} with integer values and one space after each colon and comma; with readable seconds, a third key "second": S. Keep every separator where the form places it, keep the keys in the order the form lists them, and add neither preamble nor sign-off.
{"hour": 2, "minute": 49}
